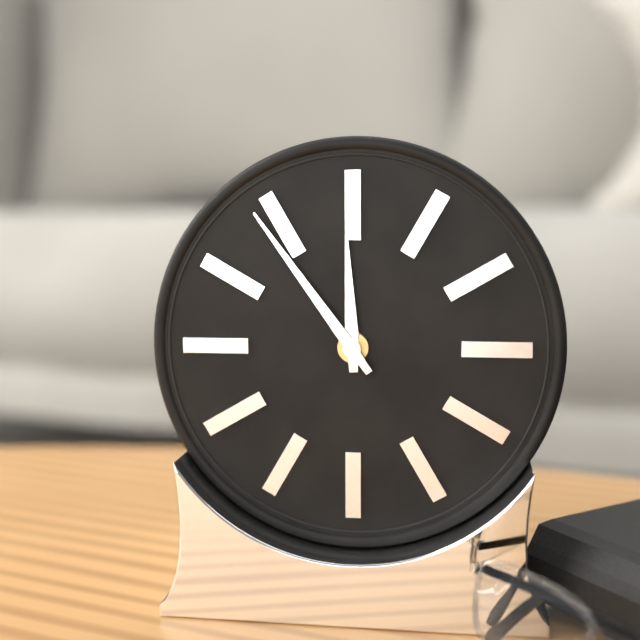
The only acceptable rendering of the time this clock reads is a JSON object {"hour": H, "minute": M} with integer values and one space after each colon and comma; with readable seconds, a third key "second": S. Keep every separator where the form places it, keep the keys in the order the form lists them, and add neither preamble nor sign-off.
{"hour": 11, "minute": 54}
